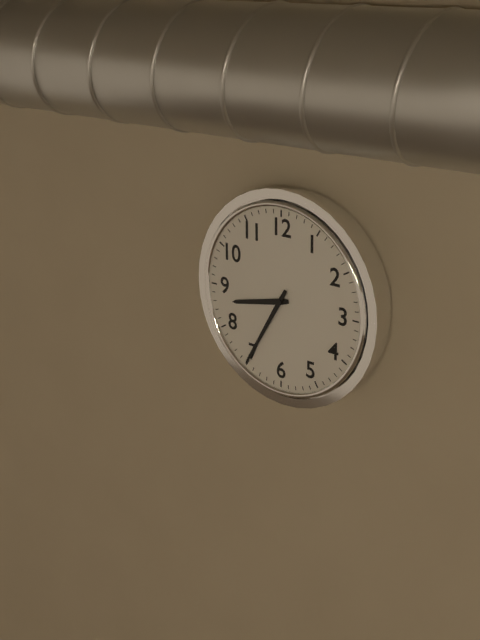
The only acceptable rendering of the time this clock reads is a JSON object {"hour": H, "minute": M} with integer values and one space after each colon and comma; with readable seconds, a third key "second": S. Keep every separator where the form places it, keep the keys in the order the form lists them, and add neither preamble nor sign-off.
{"hour": 8, "minute": 35}
